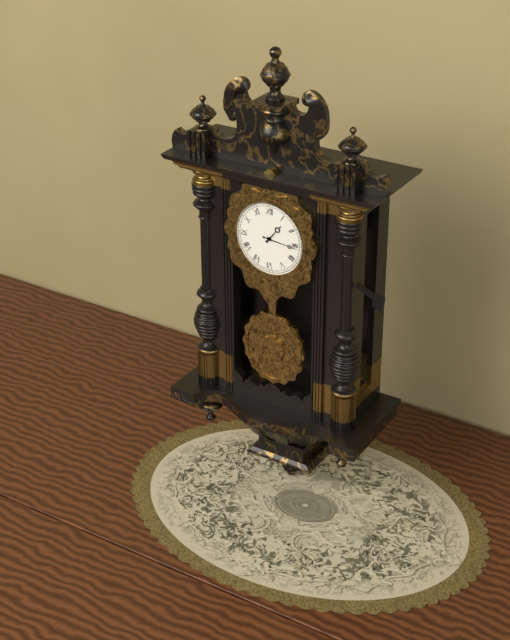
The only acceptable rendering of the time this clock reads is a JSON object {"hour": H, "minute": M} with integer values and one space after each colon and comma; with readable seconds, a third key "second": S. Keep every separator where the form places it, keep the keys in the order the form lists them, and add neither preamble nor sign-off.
{"hour": 1, "minute": 16}
